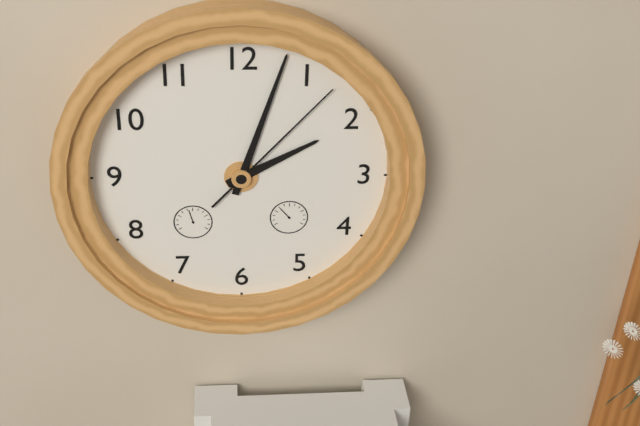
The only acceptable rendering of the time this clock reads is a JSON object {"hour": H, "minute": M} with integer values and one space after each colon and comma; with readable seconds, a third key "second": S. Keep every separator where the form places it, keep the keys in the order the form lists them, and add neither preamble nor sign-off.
{"hour": 2, "minute": 3, "second": 7}
